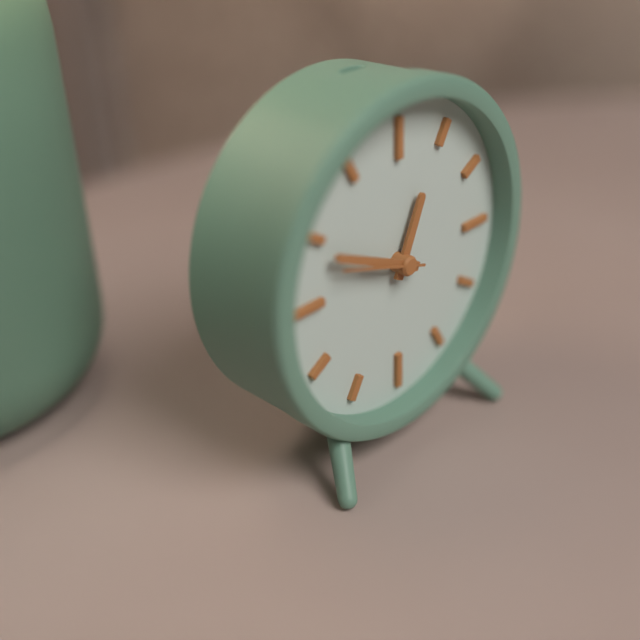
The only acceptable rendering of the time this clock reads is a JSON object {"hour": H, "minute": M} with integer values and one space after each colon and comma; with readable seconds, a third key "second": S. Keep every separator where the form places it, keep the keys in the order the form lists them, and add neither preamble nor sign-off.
{"hour": 12, "minute": 49, "second": 48}
